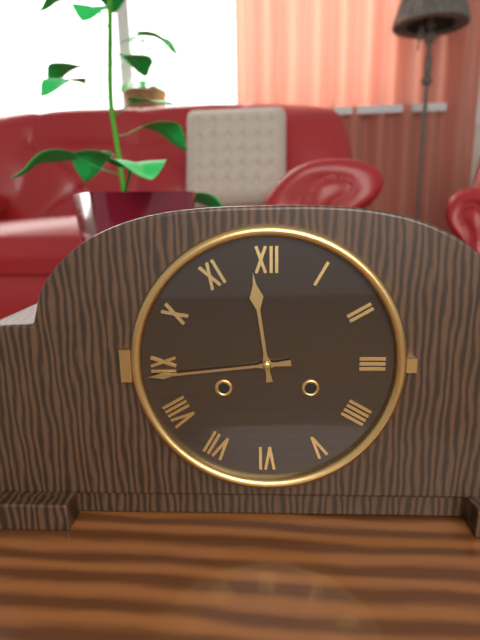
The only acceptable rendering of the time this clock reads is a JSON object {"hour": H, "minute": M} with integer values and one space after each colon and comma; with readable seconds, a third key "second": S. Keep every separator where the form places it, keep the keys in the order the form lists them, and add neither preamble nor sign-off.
{"hour": 11, "minute": 44}
